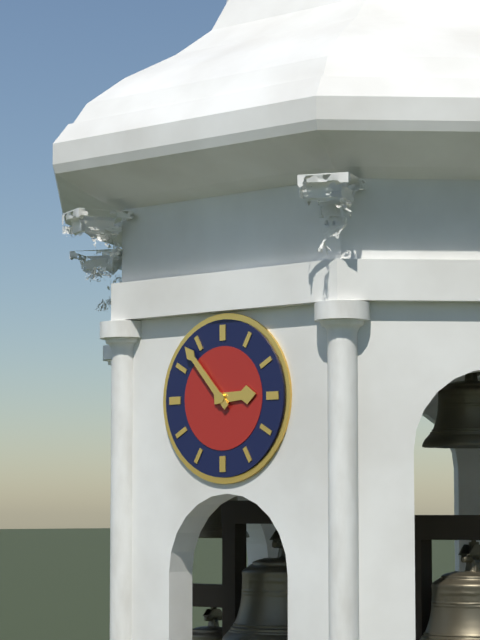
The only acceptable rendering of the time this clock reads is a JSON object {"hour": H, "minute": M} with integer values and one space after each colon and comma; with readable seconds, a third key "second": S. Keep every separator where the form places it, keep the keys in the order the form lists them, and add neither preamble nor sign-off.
{"hour": 2, "minute": 53}
